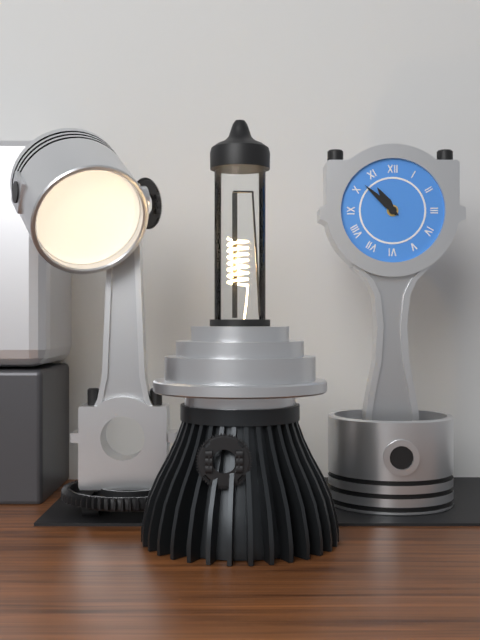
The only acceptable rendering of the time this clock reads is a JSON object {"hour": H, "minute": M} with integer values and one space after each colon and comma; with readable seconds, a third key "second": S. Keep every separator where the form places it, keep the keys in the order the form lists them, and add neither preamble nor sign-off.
{"hour": 10, "minute": 52}
